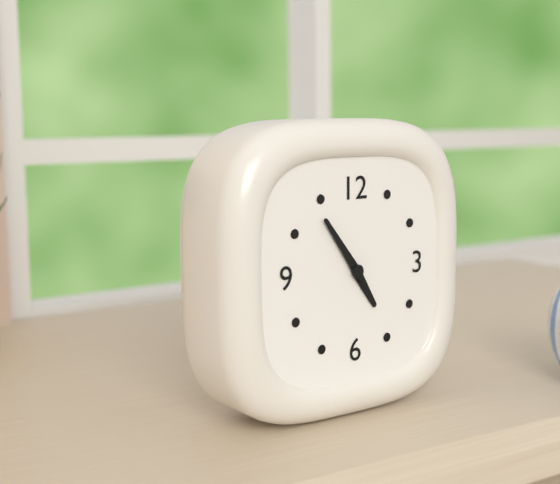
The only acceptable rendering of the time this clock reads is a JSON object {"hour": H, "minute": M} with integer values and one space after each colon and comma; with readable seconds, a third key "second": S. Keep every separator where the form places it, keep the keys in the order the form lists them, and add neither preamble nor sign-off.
{"hour": 4, "minute": 54}
